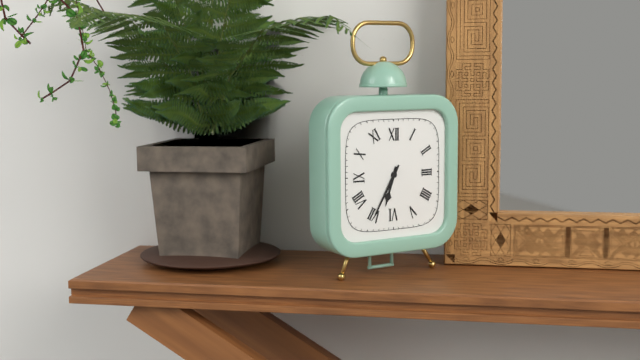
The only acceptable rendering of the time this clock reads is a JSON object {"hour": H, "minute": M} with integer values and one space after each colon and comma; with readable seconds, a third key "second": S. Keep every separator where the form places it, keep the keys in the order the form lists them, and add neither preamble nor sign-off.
{"hour": 6, "minute": 35}
